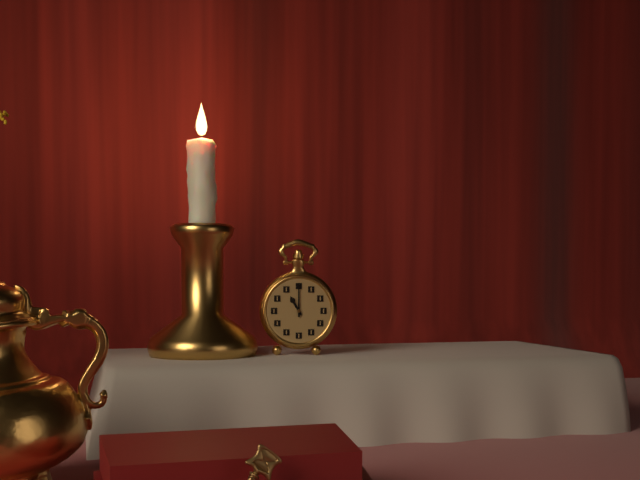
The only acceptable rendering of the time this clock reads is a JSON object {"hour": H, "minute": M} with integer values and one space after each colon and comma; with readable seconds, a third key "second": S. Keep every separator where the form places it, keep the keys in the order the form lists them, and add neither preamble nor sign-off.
{"hour": 11, "minute": 0}
